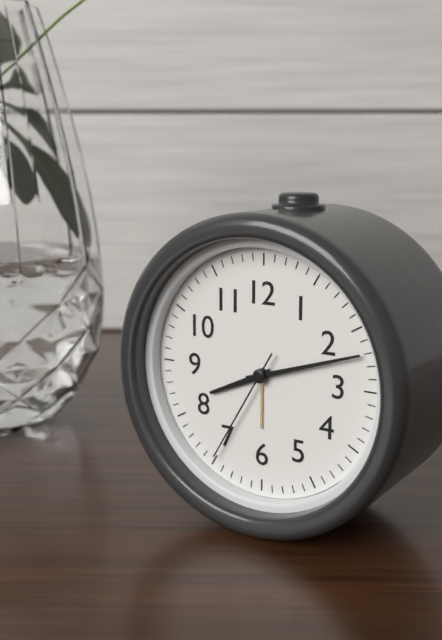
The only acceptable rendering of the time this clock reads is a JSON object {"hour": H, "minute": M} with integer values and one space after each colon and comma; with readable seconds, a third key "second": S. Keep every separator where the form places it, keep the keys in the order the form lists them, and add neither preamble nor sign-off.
{"hour": 8, "minute": 12, "second": 35}
